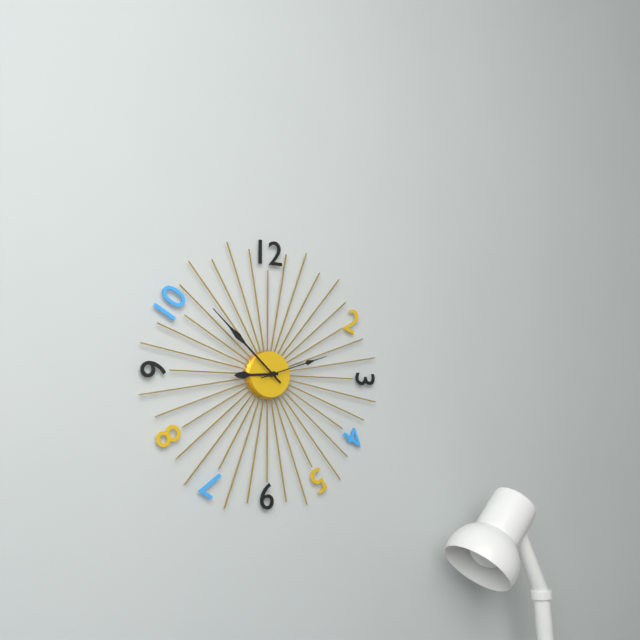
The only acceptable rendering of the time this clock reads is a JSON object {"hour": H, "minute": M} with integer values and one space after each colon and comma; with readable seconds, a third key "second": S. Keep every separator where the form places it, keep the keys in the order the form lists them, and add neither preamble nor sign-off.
{"hour": 8, "minute": 52, "second": 12}
